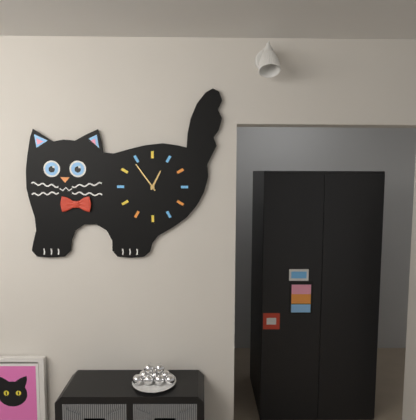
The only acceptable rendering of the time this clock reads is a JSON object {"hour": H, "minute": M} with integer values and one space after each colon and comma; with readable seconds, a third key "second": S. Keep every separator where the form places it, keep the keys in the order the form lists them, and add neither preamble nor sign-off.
{"hour": 12, "minute": 54}
